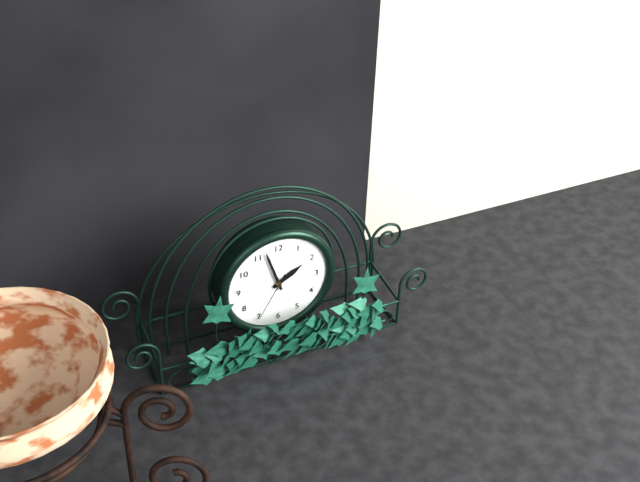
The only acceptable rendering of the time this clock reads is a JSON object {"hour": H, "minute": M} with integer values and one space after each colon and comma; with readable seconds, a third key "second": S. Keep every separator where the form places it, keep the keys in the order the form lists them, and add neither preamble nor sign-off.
{"hour": 1, "minute": 57, "second": 35}
